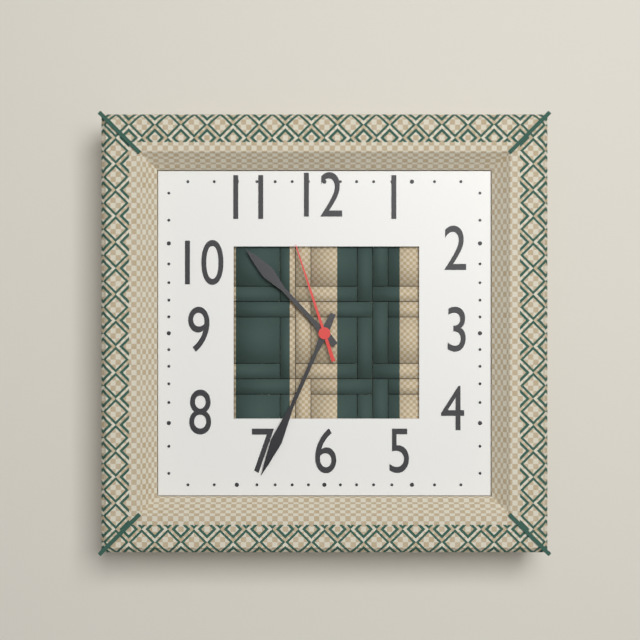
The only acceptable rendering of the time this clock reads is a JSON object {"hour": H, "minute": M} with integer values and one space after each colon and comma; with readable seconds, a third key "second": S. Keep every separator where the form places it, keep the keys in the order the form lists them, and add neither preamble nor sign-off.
{"hour": 10, "minute": 34, "second": 57}
